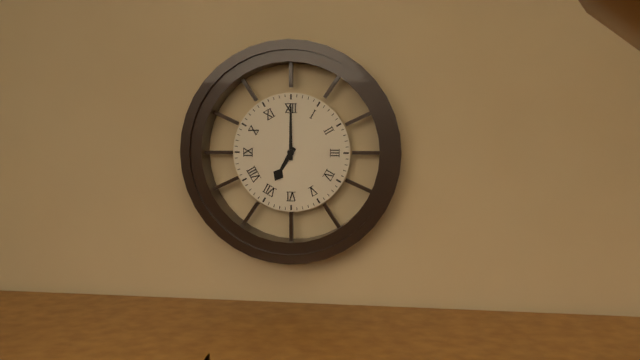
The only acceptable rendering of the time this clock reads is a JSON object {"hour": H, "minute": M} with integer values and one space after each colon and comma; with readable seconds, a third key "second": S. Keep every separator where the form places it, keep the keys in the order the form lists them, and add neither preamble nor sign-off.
{"hour": 7, "minute": 0}
